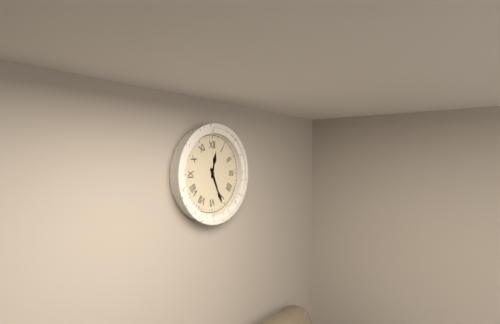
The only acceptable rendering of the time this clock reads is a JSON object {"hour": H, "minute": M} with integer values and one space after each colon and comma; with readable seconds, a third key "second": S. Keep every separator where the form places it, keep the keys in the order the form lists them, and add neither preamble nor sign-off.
{"hour": 12, "minute": 26}
